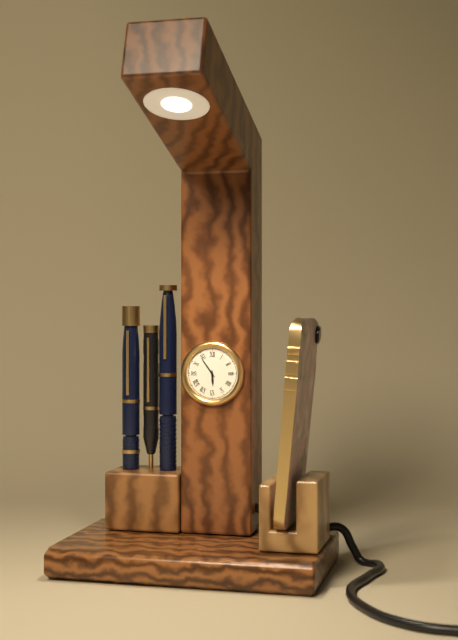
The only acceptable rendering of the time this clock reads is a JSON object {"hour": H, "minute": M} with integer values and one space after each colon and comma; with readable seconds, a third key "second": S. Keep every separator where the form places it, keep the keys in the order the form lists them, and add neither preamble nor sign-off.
{"hour": 5, "minute": 54}
